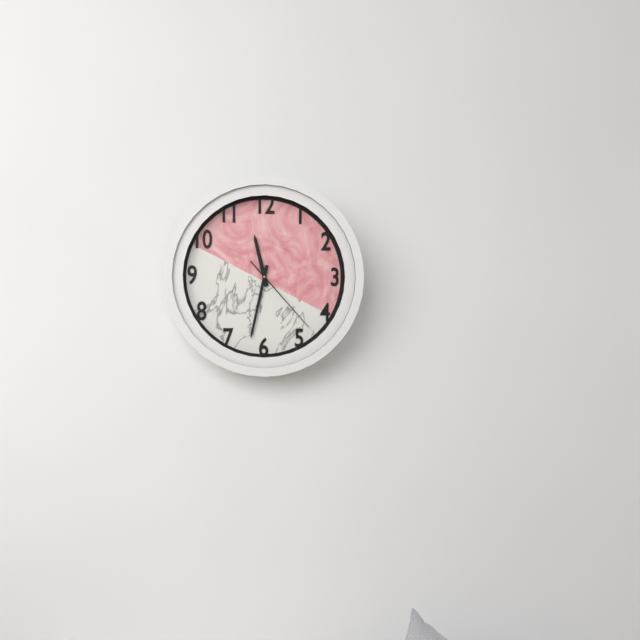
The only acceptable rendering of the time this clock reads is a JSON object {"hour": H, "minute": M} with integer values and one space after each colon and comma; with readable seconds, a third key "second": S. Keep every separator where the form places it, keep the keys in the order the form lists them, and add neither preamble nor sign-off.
{"hour": 11, "minute": 32, "second": 23}
